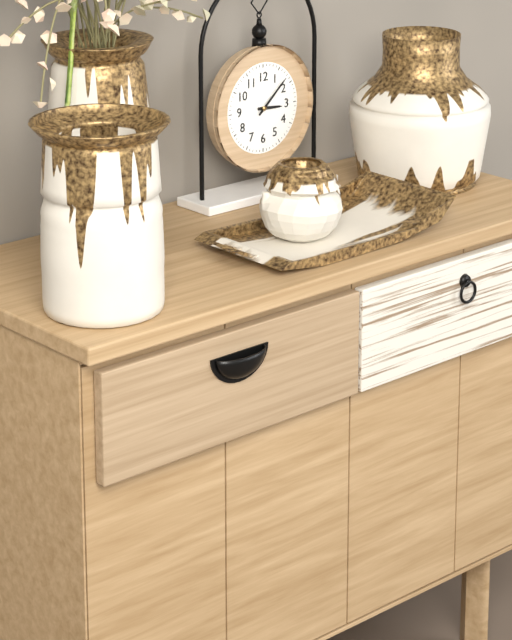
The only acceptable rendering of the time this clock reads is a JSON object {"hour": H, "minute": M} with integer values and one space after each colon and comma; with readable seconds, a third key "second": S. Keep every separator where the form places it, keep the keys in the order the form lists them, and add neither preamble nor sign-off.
{"hour": 3, "minute": 8}
